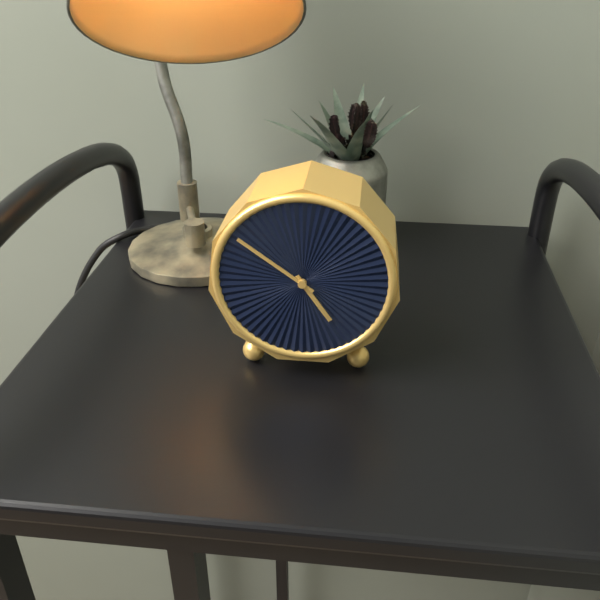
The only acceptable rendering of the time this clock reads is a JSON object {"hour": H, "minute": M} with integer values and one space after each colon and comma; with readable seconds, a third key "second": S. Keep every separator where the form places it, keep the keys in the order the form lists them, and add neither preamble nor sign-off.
{"hour": 4, "minute": 51}
